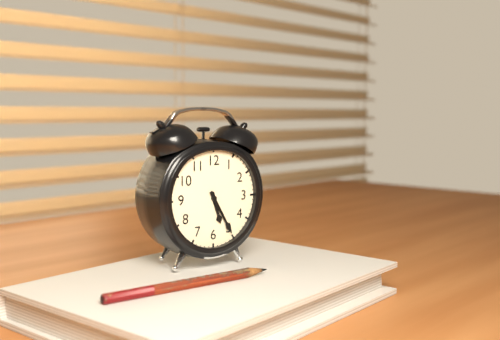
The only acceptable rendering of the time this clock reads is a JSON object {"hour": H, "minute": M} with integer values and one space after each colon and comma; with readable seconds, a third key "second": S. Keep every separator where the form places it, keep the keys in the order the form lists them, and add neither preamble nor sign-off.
{"hour": 5, "minute": 25}
